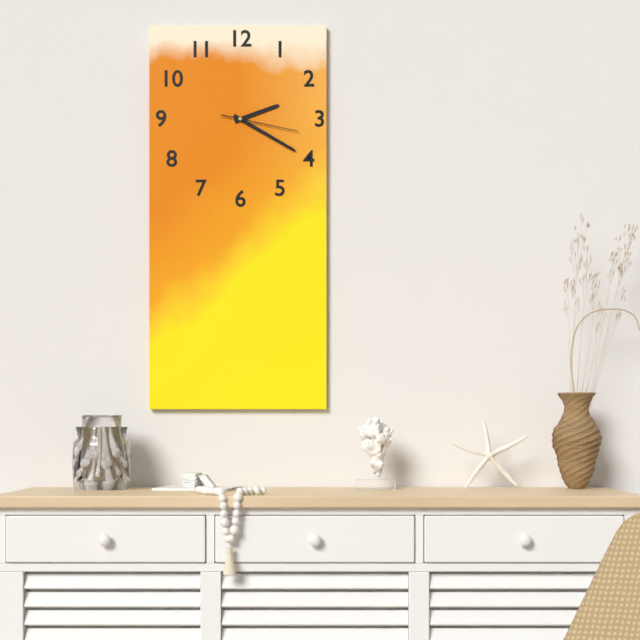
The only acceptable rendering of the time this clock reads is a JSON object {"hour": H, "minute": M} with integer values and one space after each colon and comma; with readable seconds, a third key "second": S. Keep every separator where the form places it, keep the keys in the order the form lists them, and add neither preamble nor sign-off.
{"hour": 2, "minute": 20, "second": 17}
